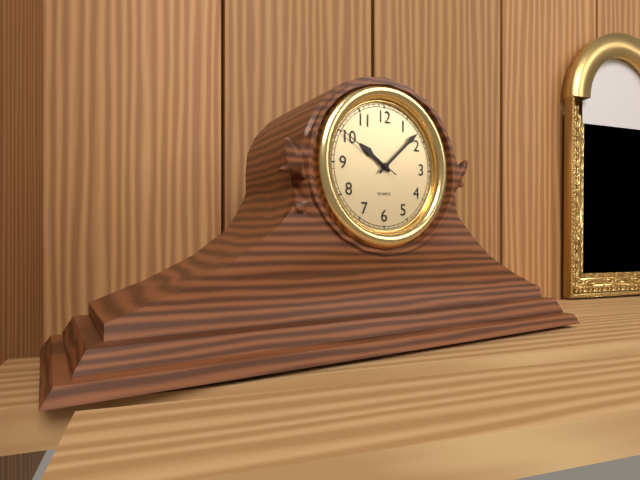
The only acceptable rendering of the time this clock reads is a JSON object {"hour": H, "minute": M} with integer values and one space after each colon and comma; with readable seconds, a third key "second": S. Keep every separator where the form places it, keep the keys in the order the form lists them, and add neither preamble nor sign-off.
{"hour": 10, "minute": 8, "second": 50}
